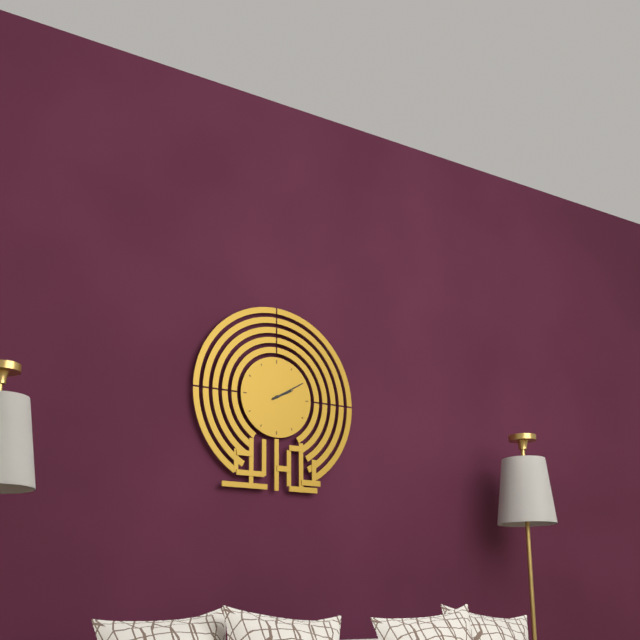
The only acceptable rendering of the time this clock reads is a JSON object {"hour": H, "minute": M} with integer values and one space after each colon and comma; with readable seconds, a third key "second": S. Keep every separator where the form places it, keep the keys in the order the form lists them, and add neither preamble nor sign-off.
{"hour": 2, "minute": 10}
